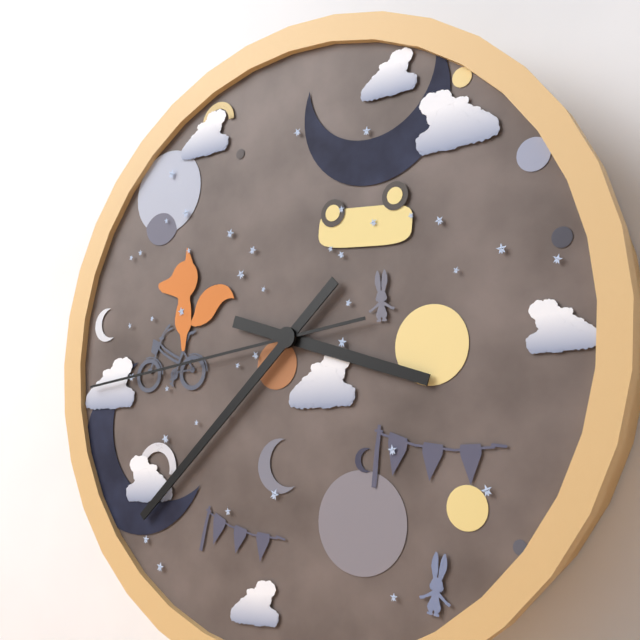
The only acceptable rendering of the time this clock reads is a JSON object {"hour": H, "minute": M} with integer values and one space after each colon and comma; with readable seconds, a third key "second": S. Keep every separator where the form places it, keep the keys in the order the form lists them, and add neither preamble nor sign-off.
{"hour": 3, "minute": 38, "second": 44}
